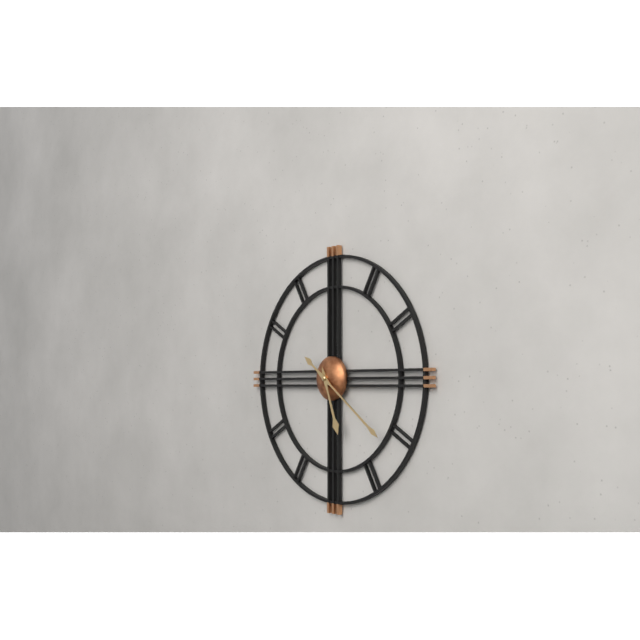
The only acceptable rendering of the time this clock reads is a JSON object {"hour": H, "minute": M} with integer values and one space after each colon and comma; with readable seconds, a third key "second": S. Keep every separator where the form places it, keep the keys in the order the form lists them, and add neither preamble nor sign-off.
{"hour": 5, "minute": 21}
